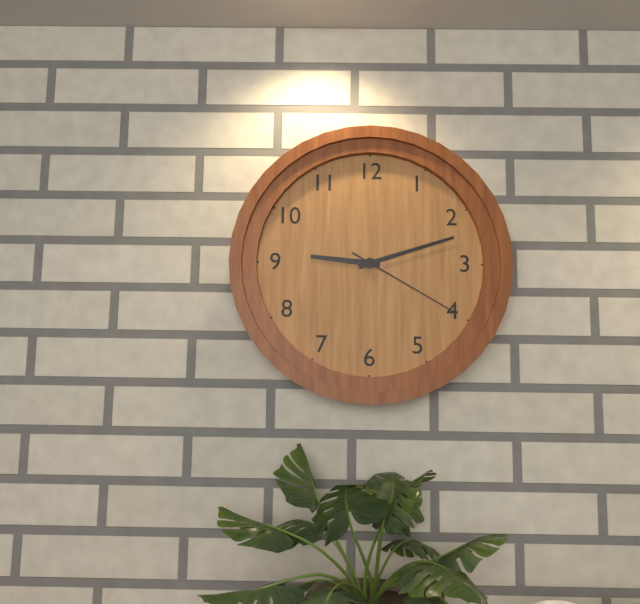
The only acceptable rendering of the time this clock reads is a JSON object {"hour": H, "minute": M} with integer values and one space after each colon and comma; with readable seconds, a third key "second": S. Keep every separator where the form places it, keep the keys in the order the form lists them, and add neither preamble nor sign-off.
{"hour": 9, "minute": 12, "second": 20}
